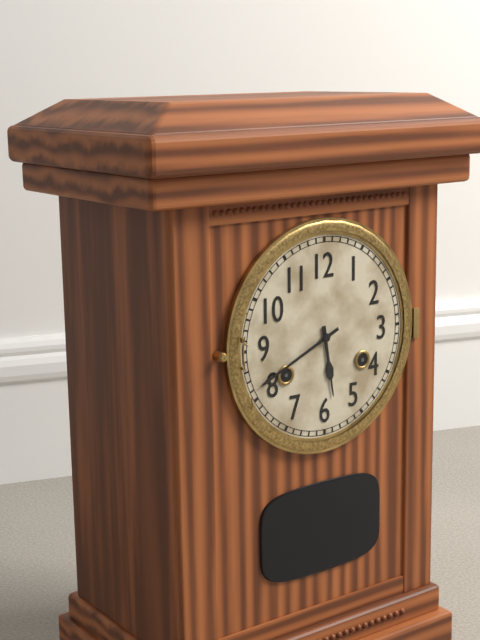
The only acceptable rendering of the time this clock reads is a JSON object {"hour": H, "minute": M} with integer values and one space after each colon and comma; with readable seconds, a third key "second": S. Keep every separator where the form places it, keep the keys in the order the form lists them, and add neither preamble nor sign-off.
{"hour": 5, "minute": 41}
